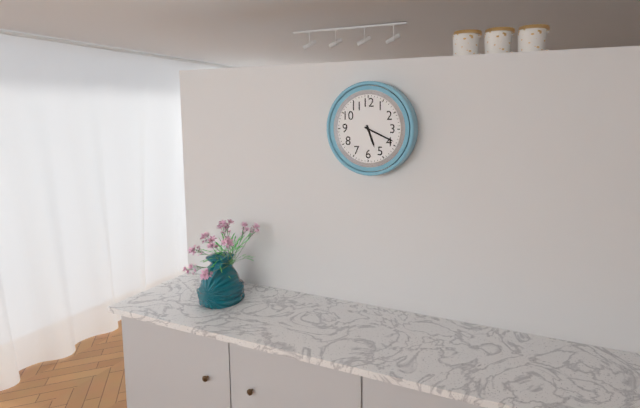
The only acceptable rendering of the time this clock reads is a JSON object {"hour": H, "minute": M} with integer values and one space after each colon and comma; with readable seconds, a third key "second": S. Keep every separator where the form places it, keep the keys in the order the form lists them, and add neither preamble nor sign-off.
{"hour": 5, "minute": 19}
